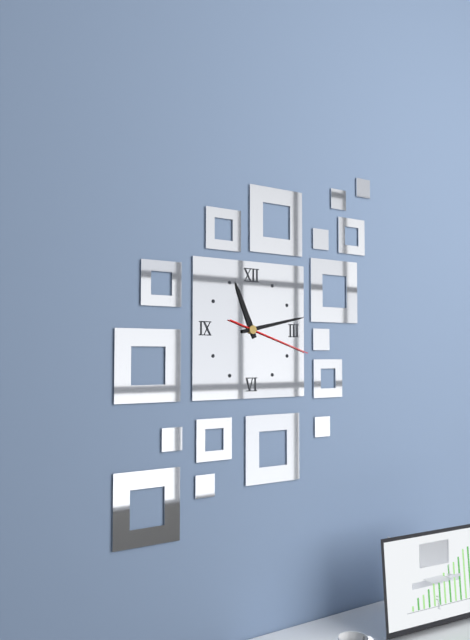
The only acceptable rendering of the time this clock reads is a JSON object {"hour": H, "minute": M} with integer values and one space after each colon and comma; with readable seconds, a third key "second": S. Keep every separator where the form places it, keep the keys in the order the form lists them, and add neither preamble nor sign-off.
{"hour": 11, "minute": 13, "second": 18}
